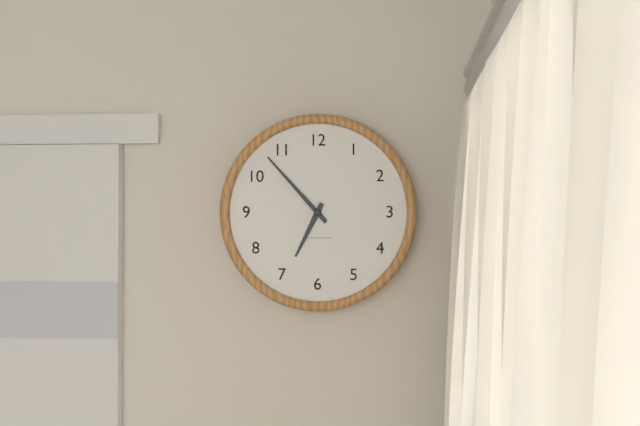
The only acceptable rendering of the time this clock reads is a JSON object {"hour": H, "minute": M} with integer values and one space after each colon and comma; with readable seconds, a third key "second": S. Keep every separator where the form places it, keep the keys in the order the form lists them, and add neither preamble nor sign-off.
{"hour": 6, "minute": 53}
